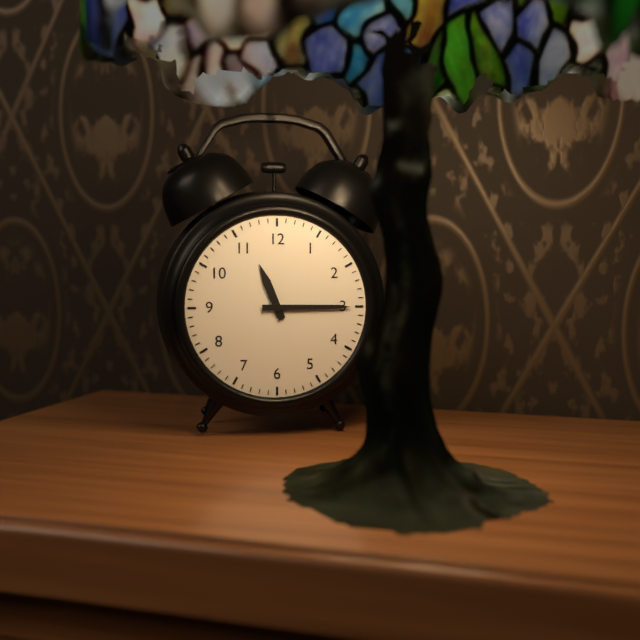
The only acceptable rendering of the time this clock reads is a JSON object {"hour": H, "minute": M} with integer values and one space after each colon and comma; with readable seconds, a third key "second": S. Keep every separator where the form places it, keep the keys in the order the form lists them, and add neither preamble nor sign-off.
{"hour": 11, "minute": 15}
